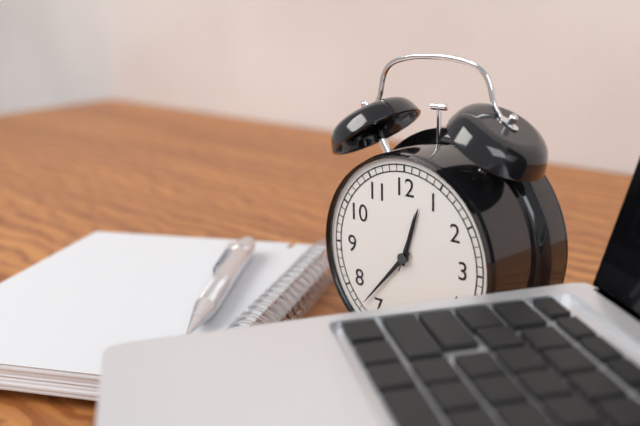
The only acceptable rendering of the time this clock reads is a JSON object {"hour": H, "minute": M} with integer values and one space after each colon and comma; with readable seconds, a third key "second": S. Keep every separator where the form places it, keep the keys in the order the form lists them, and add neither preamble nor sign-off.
{"hour": 12, "minute": 37, "second": 3}
